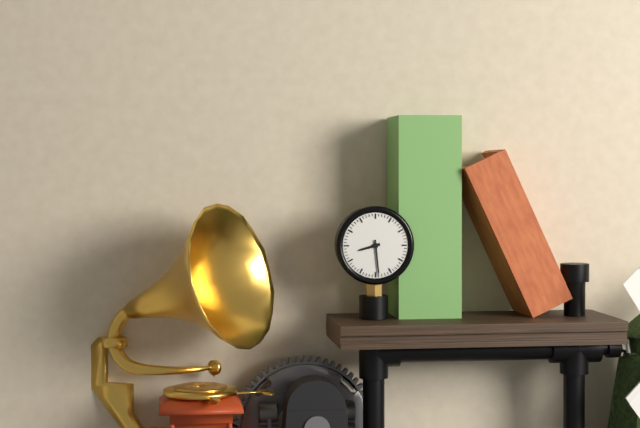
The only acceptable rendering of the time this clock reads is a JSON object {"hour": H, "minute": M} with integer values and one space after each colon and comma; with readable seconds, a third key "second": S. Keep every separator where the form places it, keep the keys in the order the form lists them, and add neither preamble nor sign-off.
{"hour": 8, "minute": 29}
